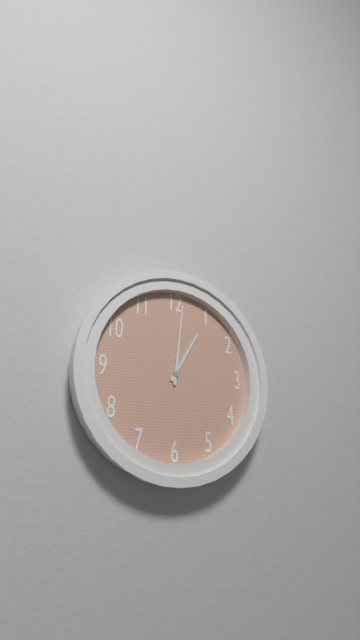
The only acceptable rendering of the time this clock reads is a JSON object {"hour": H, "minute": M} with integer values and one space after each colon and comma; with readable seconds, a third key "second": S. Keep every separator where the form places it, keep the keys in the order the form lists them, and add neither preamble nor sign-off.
{"hour": 1, "minute": 1}
